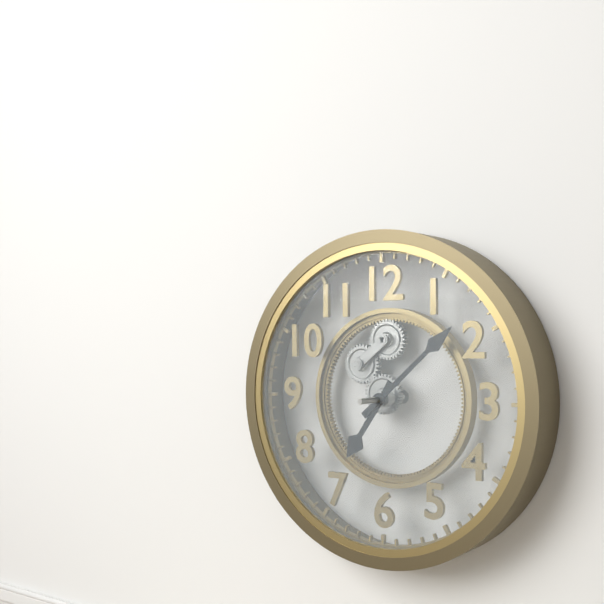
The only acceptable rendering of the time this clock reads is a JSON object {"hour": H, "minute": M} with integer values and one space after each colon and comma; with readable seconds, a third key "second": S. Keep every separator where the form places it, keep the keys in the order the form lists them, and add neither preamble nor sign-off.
{"hour": 7, "minute": 8}
